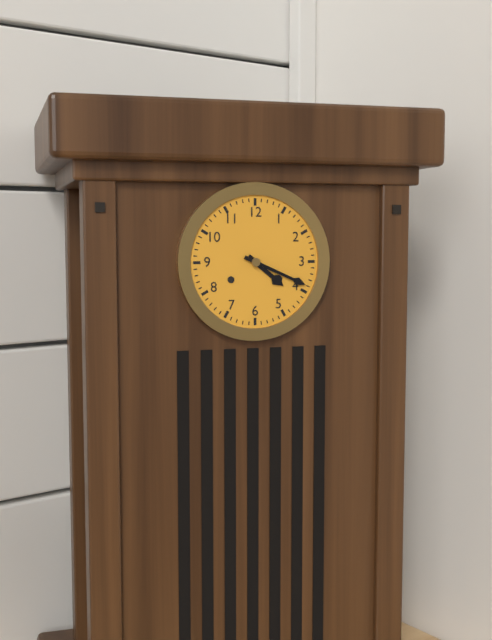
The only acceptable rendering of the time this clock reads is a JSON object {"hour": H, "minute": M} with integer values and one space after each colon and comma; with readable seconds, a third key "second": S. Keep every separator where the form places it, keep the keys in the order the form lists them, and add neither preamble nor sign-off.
{"hour": 4, "minute": 19}
